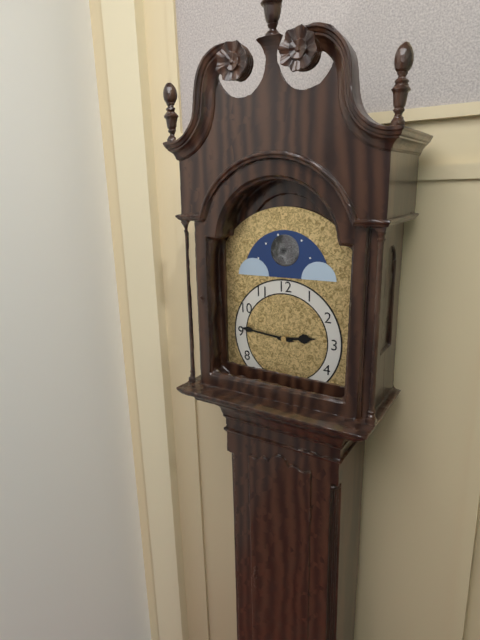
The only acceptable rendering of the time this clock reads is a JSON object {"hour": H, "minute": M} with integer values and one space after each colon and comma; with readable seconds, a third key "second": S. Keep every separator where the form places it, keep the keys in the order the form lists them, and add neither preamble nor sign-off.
{"hour": 2, "minute": 46}
